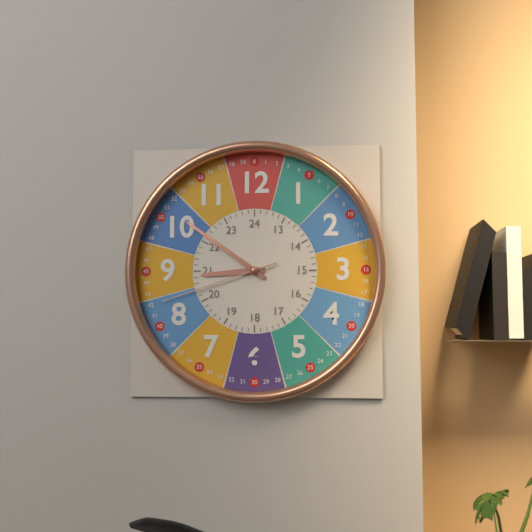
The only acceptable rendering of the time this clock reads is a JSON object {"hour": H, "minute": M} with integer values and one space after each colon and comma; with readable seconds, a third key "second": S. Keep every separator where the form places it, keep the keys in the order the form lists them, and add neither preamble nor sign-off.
{"hour": 8, "minute": 51, "second": 42}
